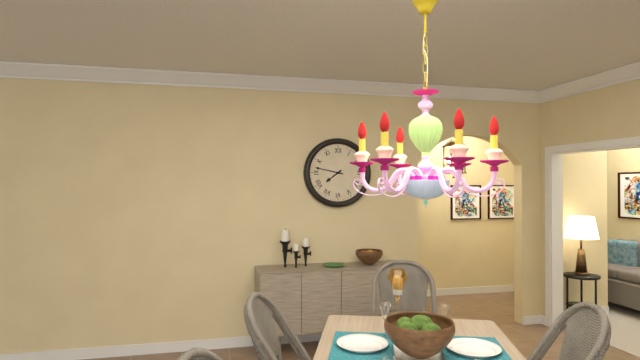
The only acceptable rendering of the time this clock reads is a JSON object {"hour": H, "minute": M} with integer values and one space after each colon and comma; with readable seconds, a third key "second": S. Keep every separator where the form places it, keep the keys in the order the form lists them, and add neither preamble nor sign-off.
{"hour": 7, "minute": 47}
